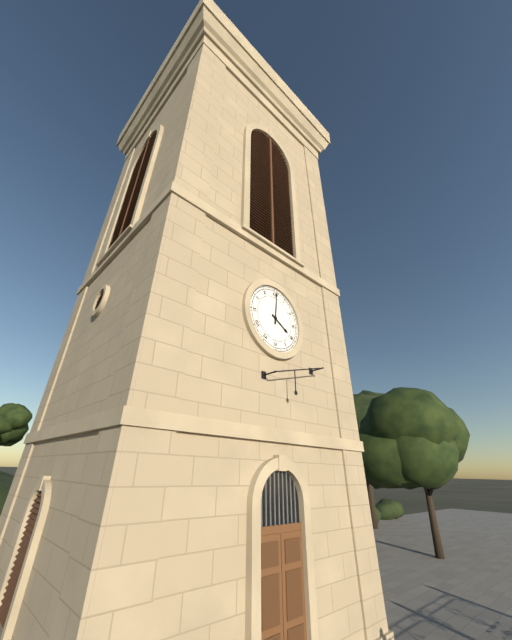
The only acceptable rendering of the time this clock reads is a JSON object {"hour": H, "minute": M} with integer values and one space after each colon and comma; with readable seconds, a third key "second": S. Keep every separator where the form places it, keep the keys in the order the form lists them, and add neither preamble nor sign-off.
{"hour": 4, "minute": 1}
